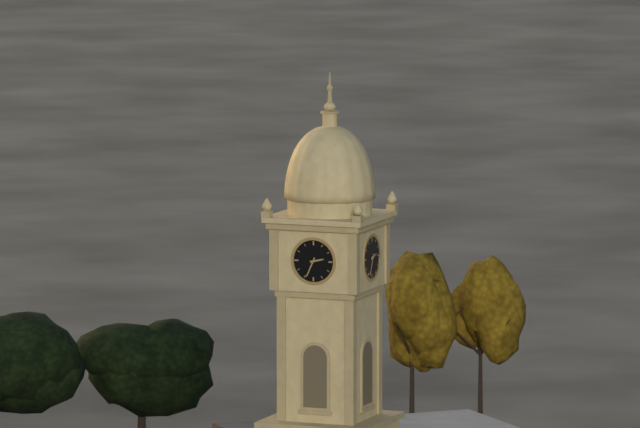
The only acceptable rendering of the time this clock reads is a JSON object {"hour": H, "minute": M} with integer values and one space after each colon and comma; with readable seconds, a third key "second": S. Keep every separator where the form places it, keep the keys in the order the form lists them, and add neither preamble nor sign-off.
{"hour": 2, "minute": 34}
